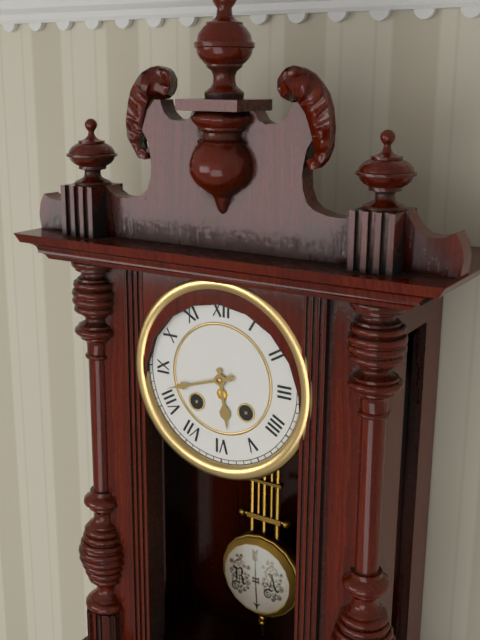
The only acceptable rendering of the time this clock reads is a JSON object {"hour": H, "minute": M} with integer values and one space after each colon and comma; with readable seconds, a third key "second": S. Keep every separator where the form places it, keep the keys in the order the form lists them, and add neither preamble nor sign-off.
{"hour": 5, "minute": 42}
